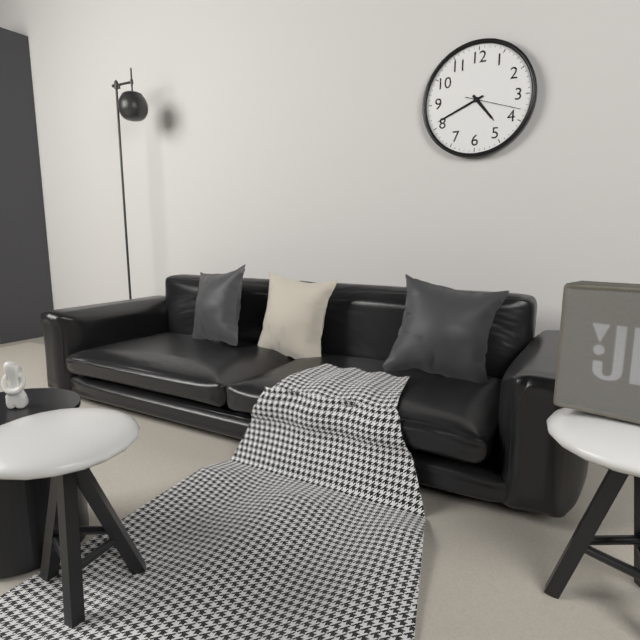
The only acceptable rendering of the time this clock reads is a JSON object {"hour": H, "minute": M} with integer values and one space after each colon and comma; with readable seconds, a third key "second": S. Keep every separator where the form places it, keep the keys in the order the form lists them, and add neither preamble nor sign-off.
{"hour": 4, "minute": 41, "second": 18}
